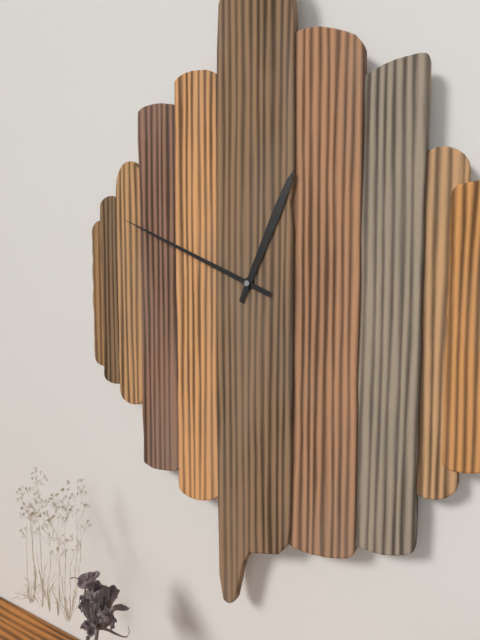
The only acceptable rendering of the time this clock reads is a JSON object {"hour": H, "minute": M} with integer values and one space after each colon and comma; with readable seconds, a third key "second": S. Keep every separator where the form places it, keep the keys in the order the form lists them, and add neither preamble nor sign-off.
{"hour": 12, "minute": 49}
